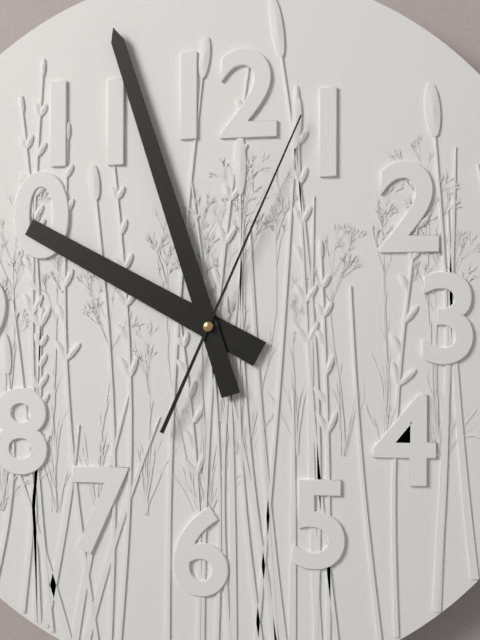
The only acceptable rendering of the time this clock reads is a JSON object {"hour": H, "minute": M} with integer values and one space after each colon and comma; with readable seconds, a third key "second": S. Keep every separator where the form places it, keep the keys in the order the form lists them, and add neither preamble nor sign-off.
{"hour": 9, "minute": 57, "second": 4}
